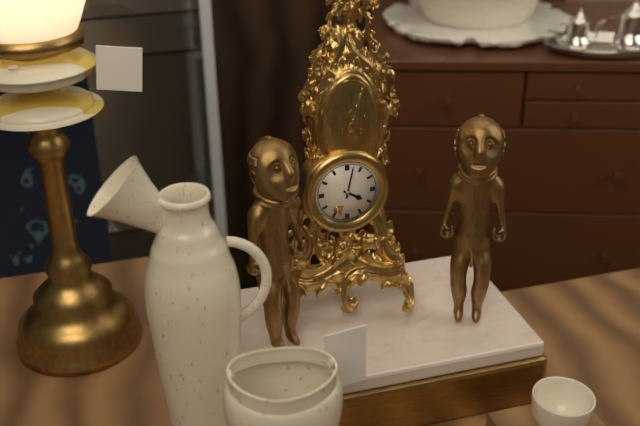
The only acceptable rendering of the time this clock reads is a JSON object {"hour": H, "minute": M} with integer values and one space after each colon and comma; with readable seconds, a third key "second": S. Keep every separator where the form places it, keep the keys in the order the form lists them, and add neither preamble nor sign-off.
{"hour": 4, "minute": 2}
